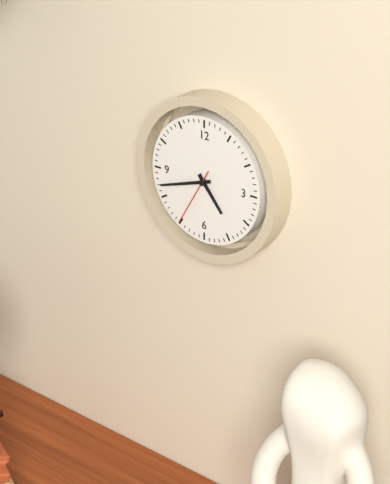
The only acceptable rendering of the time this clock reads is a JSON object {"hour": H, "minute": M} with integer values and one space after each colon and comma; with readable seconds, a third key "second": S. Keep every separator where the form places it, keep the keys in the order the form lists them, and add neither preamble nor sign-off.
{"hour": 4, "minute": 42, "second": 35}
